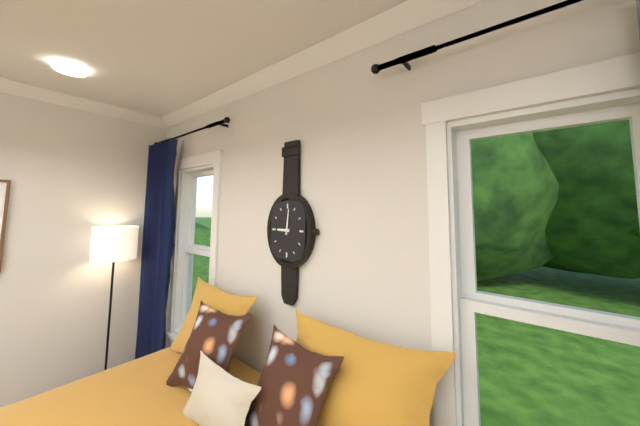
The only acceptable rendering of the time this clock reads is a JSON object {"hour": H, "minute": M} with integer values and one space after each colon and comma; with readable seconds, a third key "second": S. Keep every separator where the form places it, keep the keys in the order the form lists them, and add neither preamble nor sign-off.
{"hour": 9, "minute": 1}
